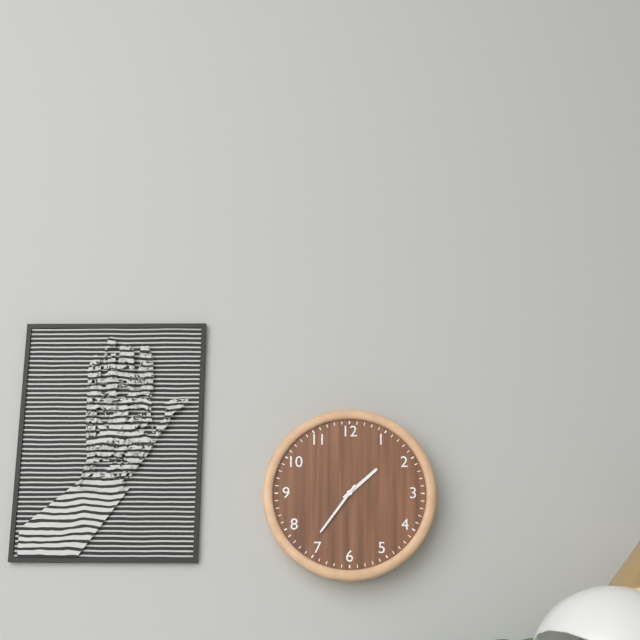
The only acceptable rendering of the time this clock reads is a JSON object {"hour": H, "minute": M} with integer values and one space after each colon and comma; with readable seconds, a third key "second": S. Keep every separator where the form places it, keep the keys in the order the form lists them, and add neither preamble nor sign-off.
{"hour": 1, "minute": 36}
